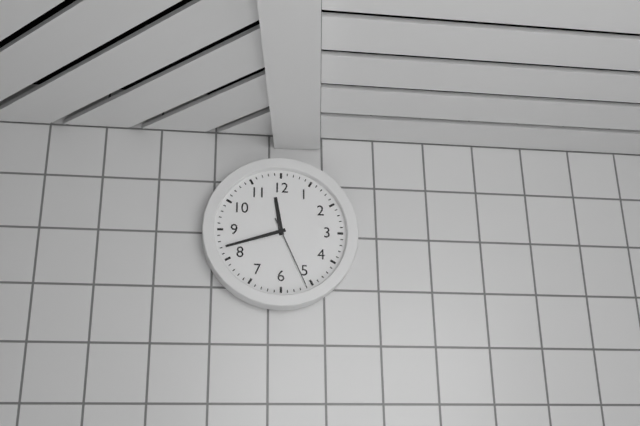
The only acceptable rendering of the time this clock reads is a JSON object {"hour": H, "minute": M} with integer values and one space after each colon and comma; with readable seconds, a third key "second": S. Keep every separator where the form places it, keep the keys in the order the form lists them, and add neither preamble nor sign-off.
{"hour": 11, "minute": 42, "second": 26}
